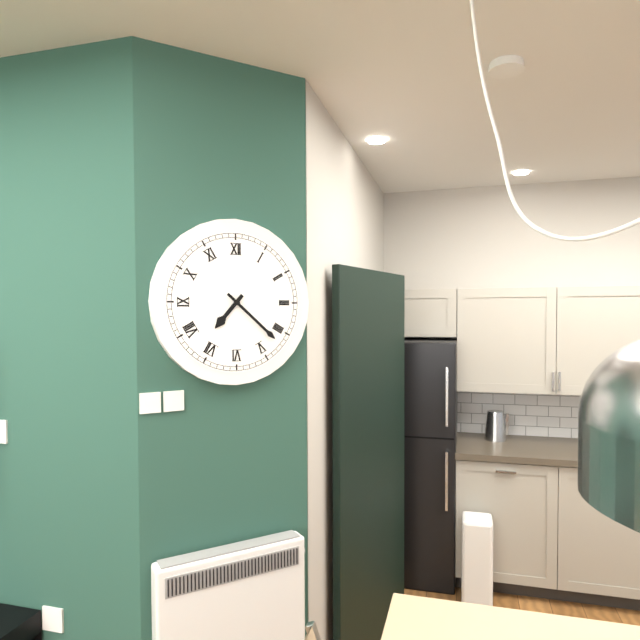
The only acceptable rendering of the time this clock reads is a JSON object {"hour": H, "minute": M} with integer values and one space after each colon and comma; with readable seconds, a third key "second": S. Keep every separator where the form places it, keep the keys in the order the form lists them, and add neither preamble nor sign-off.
{"hour": 7, "minute": 22}
